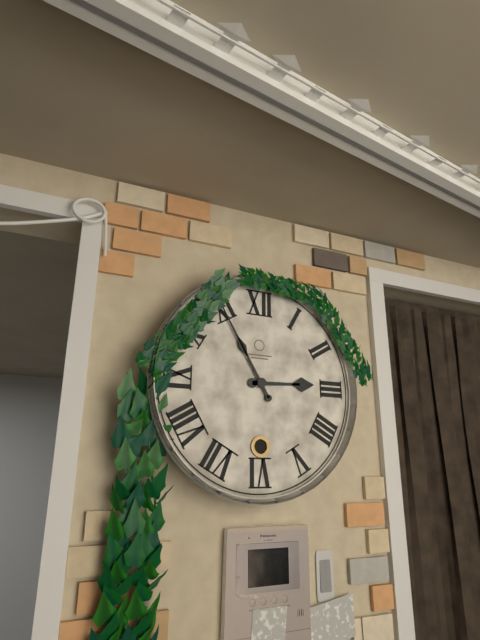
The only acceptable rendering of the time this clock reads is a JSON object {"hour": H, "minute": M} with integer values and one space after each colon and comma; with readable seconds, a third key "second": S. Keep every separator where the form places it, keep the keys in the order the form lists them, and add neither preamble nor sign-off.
{"hour": 2, "minute": 55}
